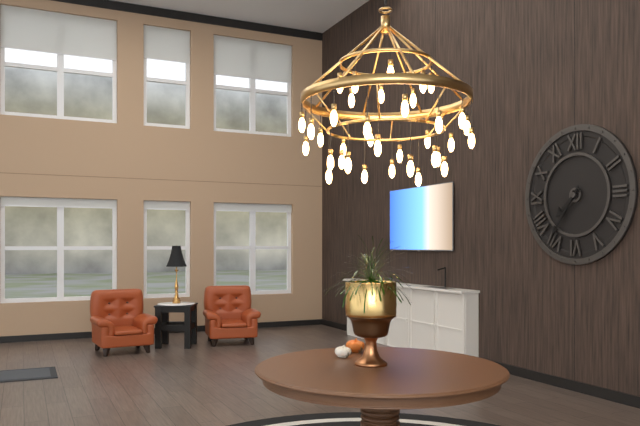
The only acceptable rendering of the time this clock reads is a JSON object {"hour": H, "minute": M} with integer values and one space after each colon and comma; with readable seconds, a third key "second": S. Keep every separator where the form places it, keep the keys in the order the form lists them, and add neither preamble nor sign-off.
{"hour": 7, "minute": 36}
